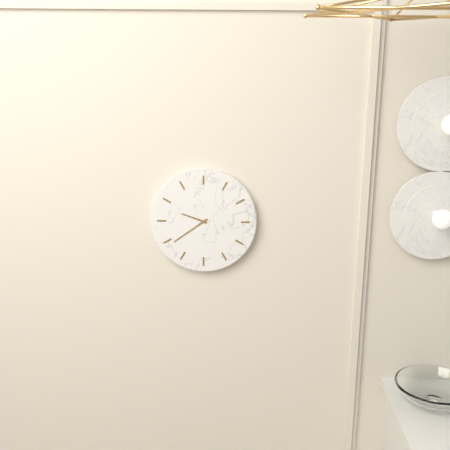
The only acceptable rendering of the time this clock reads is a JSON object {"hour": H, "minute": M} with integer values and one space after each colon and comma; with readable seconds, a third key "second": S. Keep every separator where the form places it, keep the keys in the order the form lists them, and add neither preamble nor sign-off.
{"hour": 9, "minute": 39}
